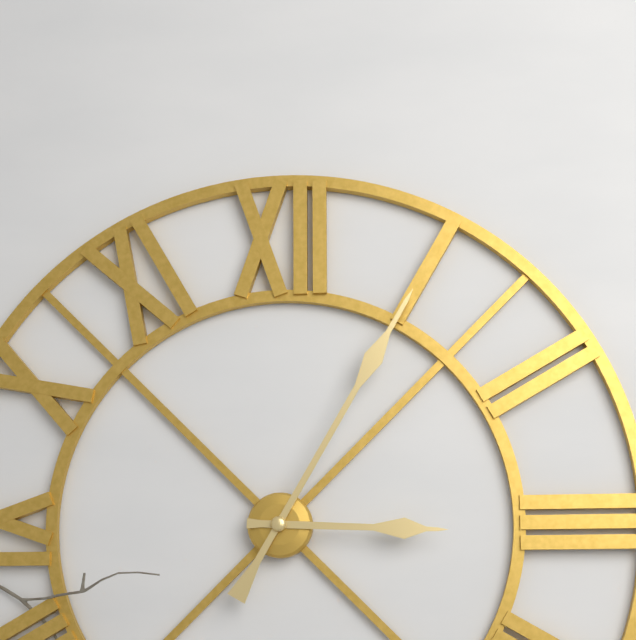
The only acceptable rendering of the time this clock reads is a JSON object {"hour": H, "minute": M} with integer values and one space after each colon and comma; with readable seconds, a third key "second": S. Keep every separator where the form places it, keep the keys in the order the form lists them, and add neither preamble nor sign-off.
{"hour": 3, "minute": 5}
